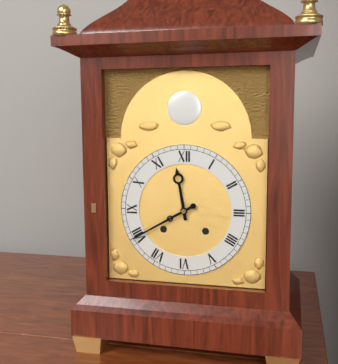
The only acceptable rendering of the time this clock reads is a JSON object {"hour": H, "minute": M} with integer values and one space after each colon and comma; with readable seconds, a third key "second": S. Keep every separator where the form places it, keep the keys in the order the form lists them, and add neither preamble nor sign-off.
{"hour": 11, "minute": 40}
